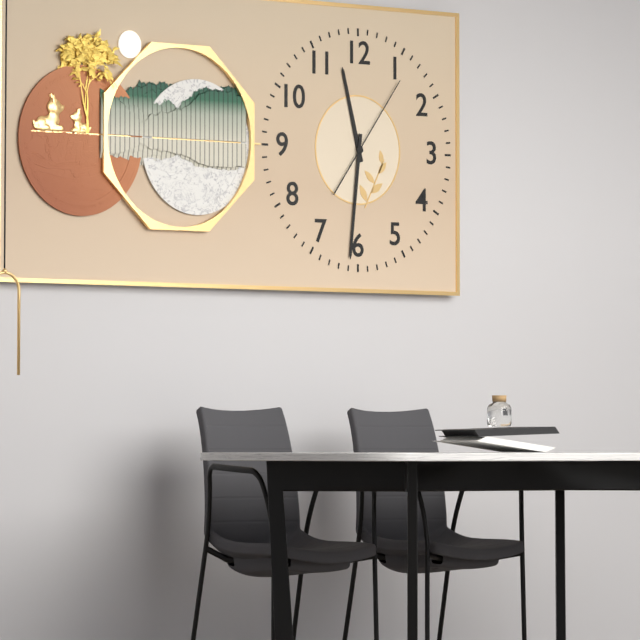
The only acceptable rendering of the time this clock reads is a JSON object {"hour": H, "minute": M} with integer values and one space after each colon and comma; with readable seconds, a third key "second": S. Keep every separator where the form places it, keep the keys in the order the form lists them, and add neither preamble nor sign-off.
{"hour": 11, "minute": 31, "second": 6}
